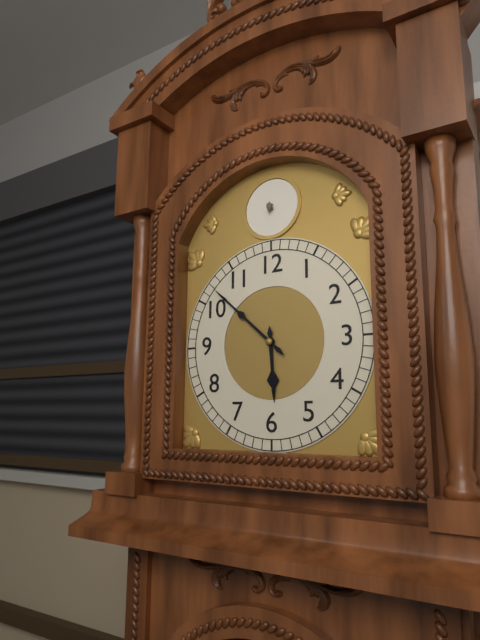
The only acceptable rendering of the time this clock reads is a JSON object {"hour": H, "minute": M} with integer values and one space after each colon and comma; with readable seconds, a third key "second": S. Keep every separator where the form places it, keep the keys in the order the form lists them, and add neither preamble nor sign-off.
{"hour": 5, "minute": 52}
